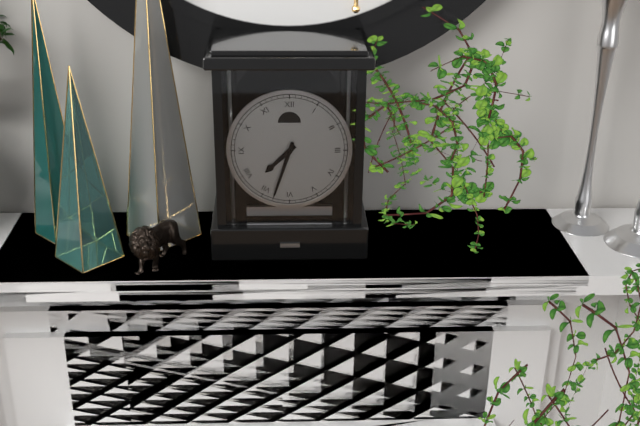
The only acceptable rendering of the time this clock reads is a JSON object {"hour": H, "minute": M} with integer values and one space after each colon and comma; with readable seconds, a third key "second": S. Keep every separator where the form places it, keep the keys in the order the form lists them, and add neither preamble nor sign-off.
{"hour": 7, "minute": 33}
